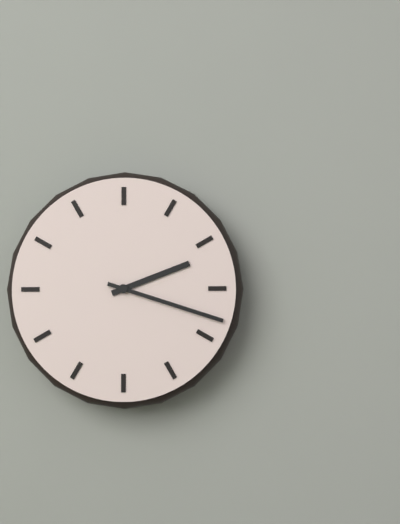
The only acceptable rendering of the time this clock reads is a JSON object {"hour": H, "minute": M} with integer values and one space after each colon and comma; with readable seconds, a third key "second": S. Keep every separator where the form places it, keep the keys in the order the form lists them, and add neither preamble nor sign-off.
{"hour": 2, "minute": 18}
